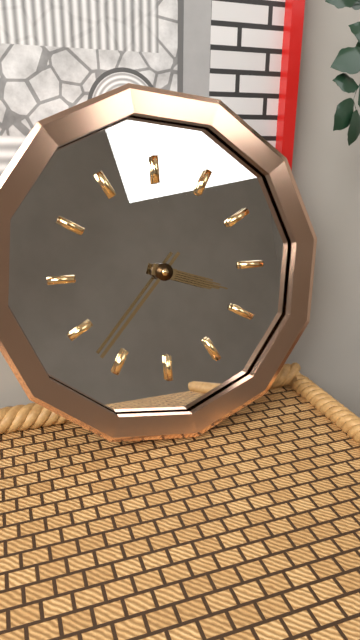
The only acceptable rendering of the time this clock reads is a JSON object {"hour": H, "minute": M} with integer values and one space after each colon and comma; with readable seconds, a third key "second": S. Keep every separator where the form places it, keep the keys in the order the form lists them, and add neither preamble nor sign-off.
{"hour": 3, "minute": 37}
